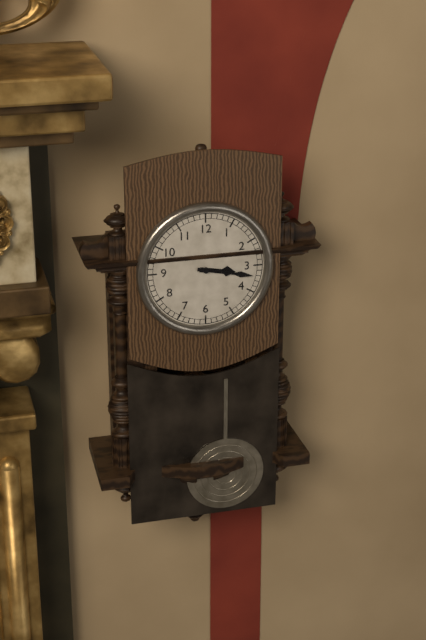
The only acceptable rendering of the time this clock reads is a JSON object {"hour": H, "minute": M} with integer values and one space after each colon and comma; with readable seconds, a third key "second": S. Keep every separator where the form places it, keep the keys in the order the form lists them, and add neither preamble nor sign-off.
{"hour": 3, "minute": 17}
